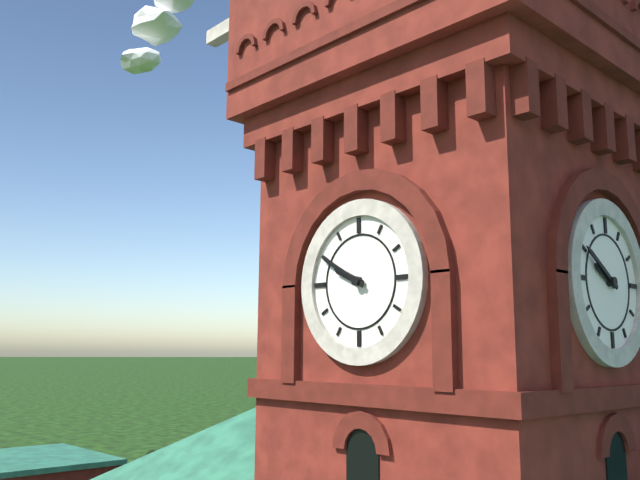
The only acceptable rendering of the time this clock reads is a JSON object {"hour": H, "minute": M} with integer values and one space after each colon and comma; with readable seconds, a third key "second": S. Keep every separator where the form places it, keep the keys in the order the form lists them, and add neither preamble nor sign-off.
{"hour": 9, "minute": 50}
